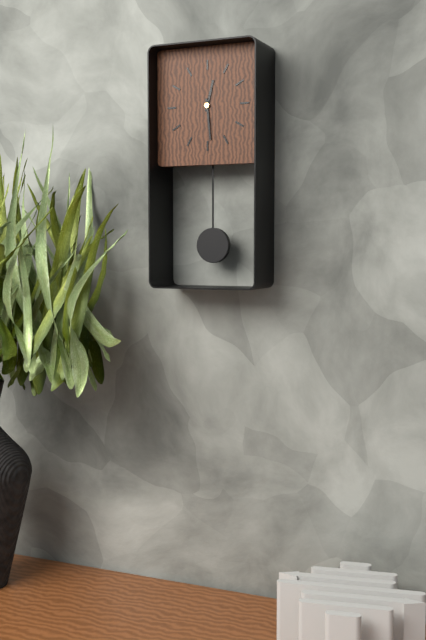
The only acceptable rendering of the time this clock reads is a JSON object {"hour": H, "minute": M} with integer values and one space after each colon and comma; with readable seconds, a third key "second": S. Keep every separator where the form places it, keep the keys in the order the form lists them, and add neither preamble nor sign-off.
{"hour": 12, "minute": 29}
